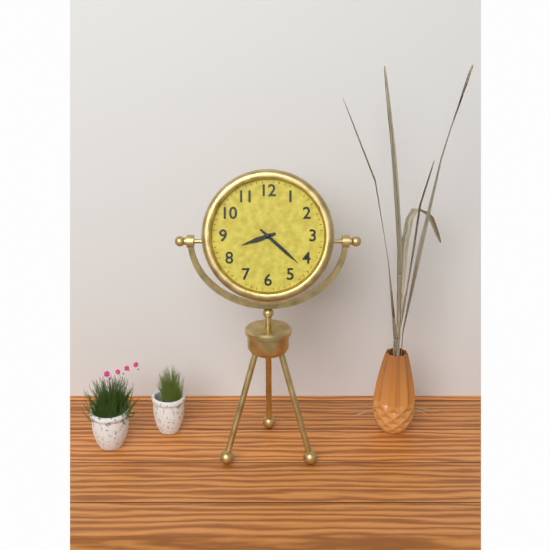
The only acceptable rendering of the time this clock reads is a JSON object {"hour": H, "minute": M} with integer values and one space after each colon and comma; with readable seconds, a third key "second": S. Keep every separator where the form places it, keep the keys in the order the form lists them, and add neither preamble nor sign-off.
{"hour": 8, "minute": 22}
